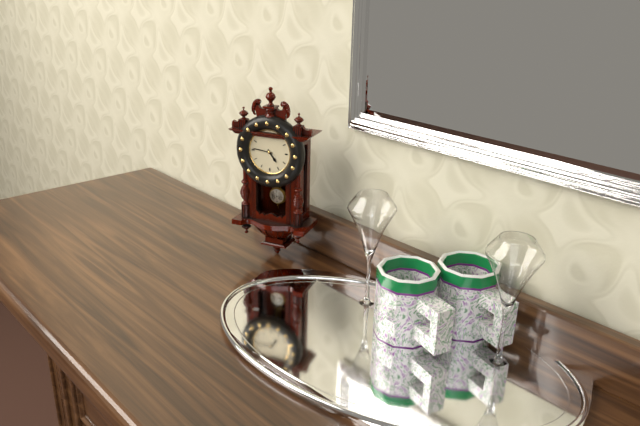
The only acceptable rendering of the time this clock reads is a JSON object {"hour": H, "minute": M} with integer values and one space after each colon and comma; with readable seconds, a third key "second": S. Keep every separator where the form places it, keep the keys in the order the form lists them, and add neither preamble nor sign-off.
{"hour": 4, "minute": 46}
